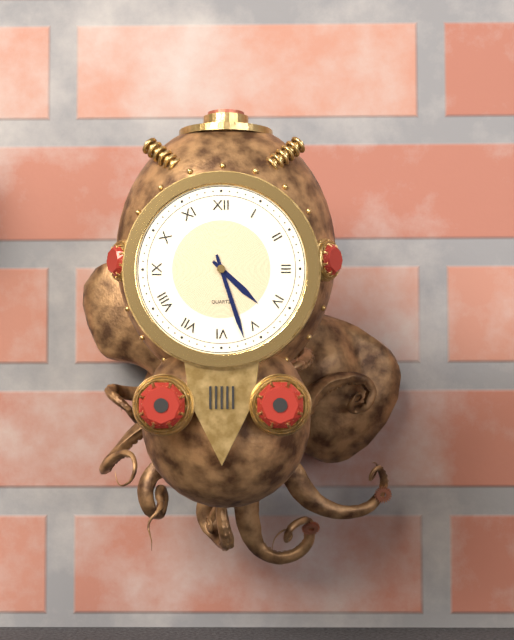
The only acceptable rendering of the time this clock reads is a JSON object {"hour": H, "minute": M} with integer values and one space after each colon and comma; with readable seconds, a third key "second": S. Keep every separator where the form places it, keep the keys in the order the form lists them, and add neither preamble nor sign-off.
{"hour": 4, "minute": 27}
